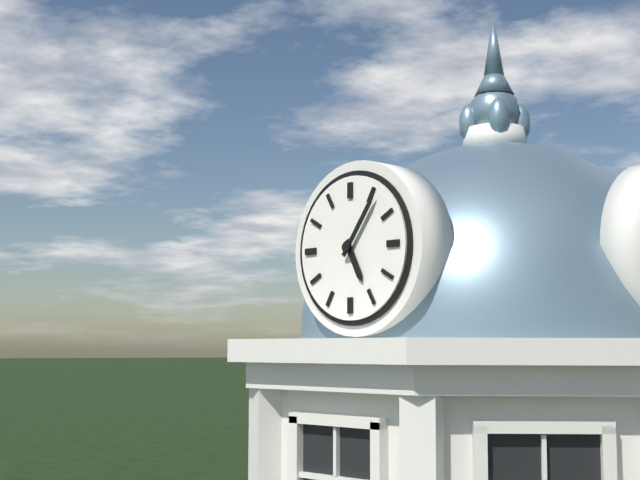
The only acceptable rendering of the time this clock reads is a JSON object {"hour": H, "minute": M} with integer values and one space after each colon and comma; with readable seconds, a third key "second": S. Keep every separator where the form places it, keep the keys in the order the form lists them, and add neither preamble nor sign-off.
{"hour": 5, "minute": 6}
